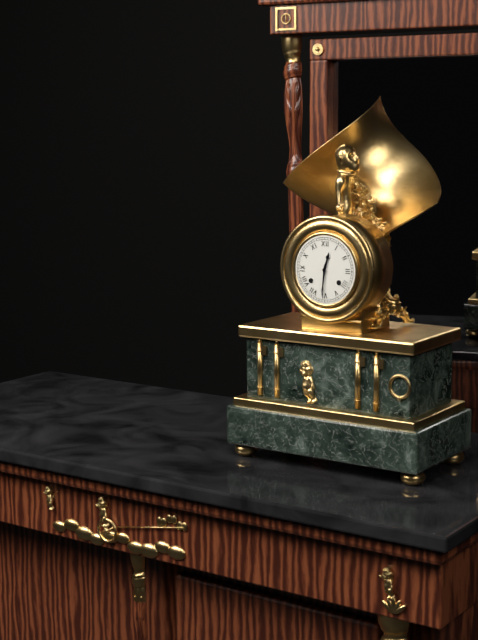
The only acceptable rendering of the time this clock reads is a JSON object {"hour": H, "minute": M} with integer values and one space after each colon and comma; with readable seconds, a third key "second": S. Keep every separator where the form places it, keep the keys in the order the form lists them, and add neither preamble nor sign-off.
{"hour": 12, "minute": 31}
